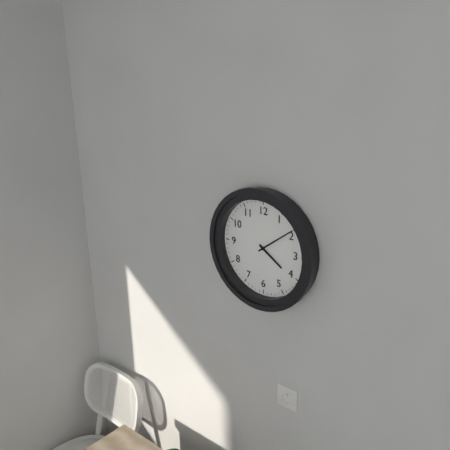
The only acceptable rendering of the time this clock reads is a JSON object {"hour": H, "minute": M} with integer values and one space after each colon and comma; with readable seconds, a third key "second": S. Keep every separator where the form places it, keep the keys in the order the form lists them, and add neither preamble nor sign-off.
{"hour": 4, "minute": 9}
